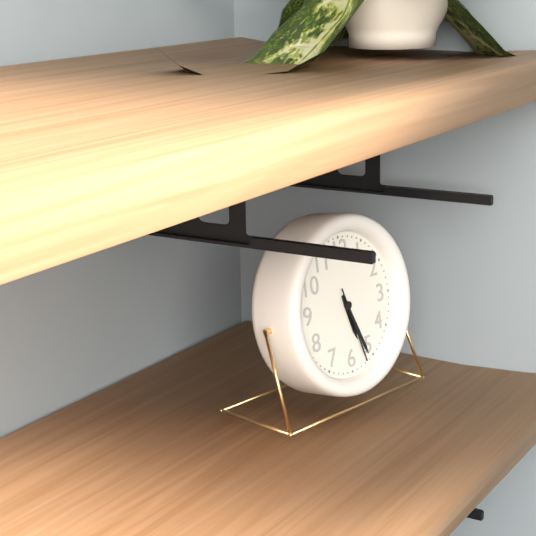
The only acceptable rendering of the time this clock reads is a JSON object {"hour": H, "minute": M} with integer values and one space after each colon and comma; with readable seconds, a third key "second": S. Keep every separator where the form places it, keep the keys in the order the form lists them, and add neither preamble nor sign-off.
{"hour": 5, "minute": 26, "second": 27}
